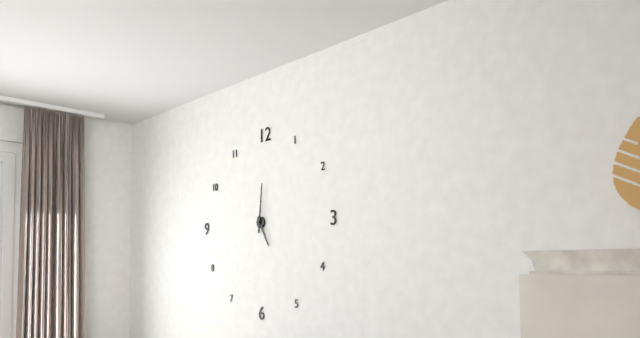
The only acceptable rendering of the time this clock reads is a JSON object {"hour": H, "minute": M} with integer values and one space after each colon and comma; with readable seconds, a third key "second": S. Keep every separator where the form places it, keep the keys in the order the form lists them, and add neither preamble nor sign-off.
{"hour": 5, "minute": 1}
